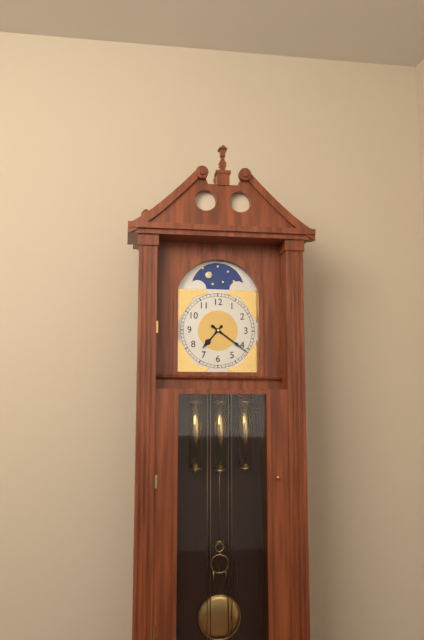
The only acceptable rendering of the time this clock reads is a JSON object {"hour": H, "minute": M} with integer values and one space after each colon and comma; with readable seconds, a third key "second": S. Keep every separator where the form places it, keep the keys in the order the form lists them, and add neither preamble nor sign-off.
{"hour": 7, "minute": 21}
